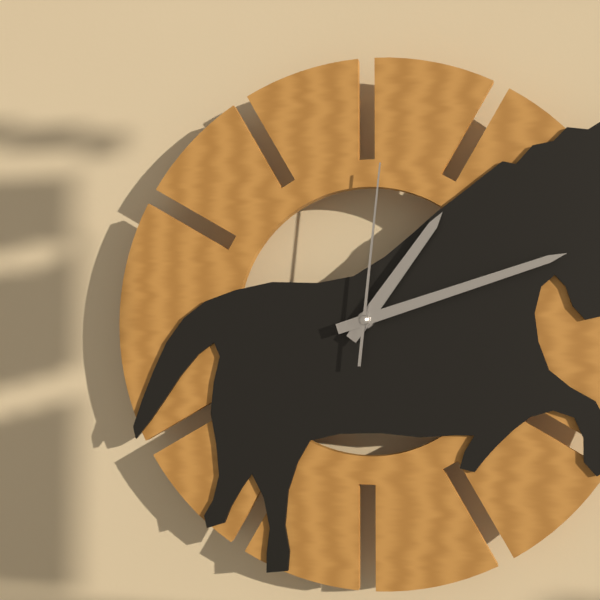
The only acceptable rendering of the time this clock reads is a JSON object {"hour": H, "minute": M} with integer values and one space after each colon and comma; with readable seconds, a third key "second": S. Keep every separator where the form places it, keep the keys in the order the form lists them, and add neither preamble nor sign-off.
{"hour": 1, "minute": 12, "second": 1}
